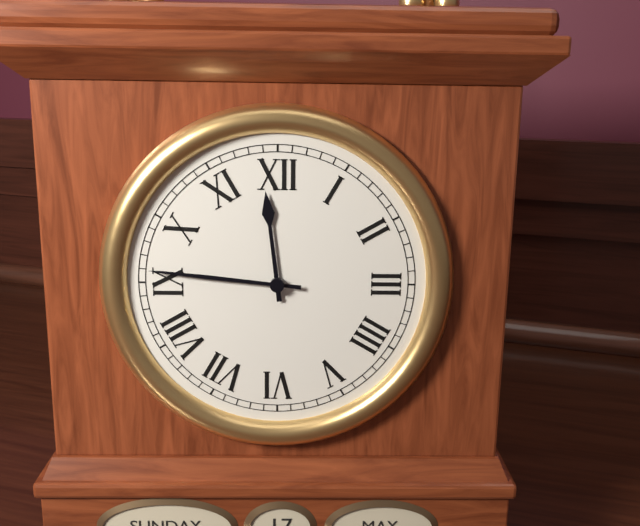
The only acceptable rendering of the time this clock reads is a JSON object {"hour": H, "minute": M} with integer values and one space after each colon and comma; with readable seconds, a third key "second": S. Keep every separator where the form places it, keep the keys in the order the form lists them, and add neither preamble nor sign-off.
{"hour": 11, "minute": 46}
